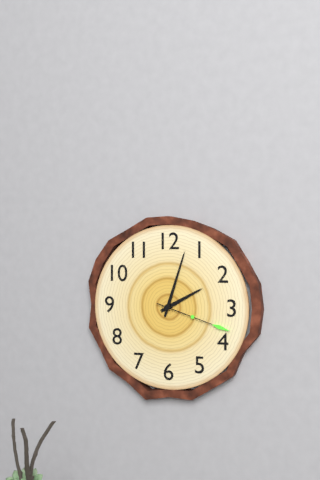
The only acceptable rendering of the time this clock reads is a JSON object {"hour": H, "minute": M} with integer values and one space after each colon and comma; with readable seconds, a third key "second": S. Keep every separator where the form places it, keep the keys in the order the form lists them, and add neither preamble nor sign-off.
{"hour": 2, "minute": 3, "second": 18}
